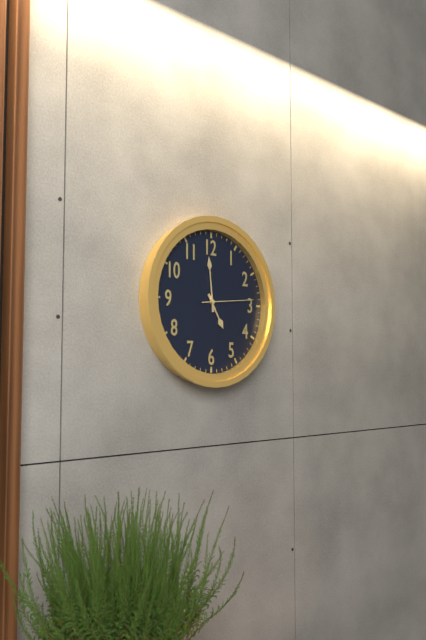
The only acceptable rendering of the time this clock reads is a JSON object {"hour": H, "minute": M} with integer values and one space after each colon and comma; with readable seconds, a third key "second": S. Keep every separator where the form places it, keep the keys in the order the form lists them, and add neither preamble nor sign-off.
{"hour": 4, "minute": 59, "second": 14}
